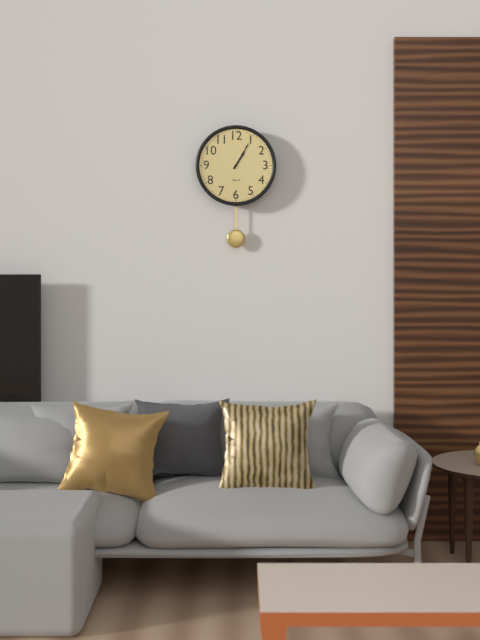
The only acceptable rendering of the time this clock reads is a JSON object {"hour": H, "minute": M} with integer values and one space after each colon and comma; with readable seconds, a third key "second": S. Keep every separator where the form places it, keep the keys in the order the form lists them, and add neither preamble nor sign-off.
{"hour": 1, "minute": 5}
